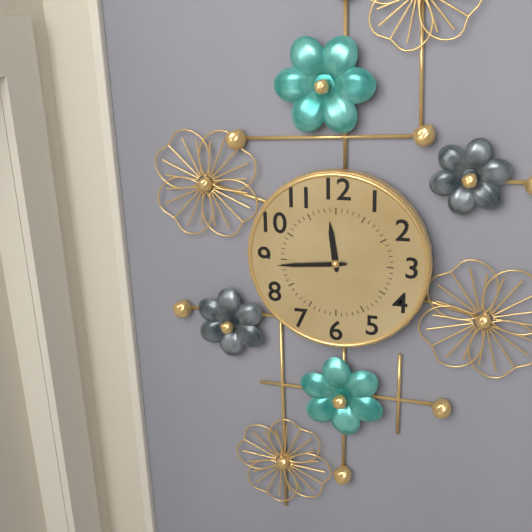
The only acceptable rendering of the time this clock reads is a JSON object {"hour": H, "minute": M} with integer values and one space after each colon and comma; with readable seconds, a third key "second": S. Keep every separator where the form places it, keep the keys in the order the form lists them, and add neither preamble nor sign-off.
{"hour": 11, "minute": 44}
